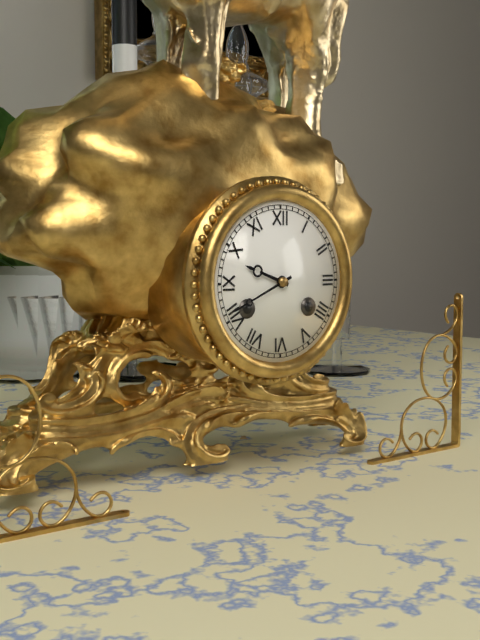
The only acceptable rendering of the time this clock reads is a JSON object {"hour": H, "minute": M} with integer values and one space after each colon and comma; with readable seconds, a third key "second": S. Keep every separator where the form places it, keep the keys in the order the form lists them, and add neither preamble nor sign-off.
{"hour": 9, "minute": 41}
